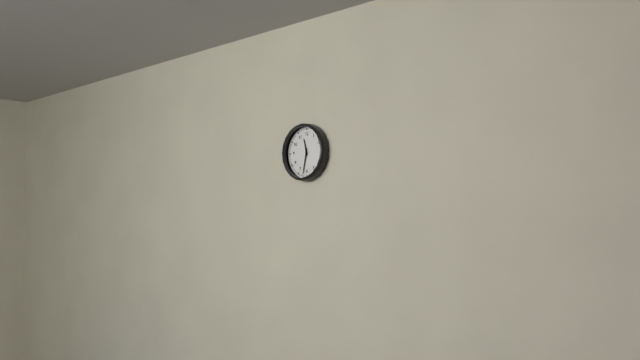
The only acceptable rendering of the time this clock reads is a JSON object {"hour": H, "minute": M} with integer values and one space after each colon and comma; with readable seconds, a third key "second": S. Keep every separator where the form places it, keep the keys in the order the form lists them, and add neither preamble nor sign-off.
{"hour": 11, "minute": 32}
